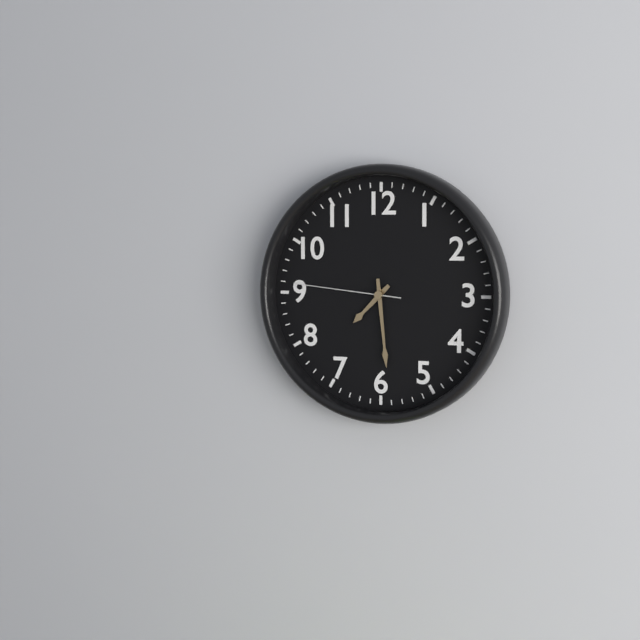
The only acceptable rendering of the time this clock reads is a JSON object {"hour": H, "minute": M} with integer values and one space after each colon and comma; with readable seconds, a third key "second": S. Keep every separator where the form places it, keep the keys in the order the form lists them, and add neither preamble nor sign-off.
{"hour": 7, "minute": 29, "second": 46}
